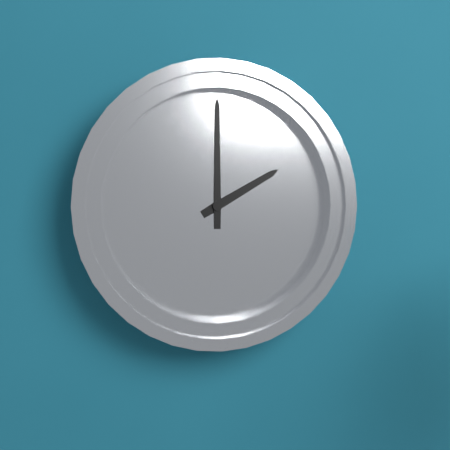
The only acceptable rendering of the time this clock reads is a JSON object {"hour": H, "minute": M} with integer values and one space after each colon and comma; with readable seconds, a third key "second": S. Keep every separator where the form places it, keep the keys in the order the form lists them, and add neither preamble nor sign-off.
{"hour": 2, "minute": 0}
